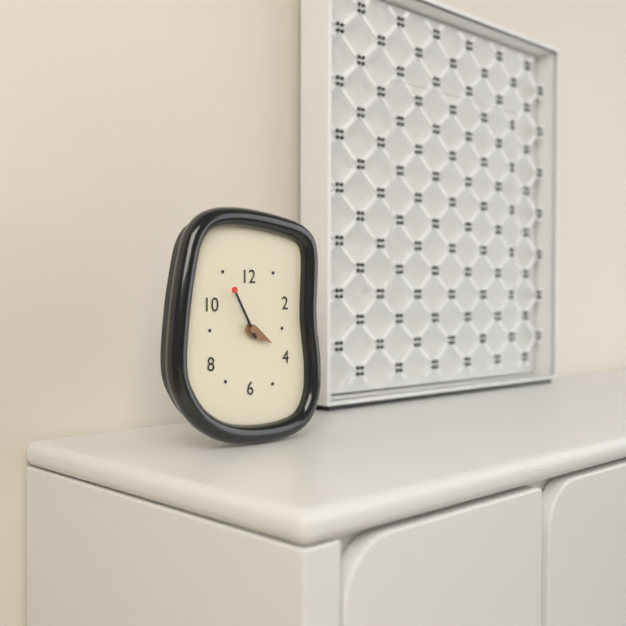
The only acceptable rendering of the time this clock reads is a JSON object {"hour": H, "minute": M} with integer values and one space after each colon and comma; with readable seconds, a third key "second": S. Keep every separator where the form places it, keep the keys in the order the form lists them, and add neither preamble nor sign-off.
{"hour": 3, "minute": 55}
